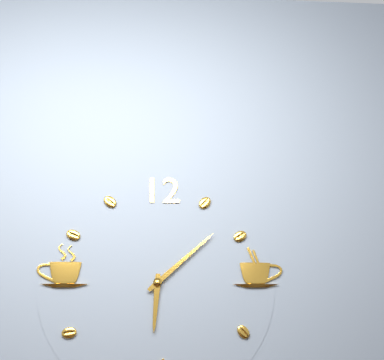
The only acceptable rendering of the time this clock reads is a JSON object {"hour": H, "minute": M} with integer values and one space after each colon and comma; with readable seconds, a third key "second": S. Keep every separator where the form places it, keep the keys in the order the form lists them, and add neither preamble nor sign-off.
{"hour": 6, "minute": 8}
